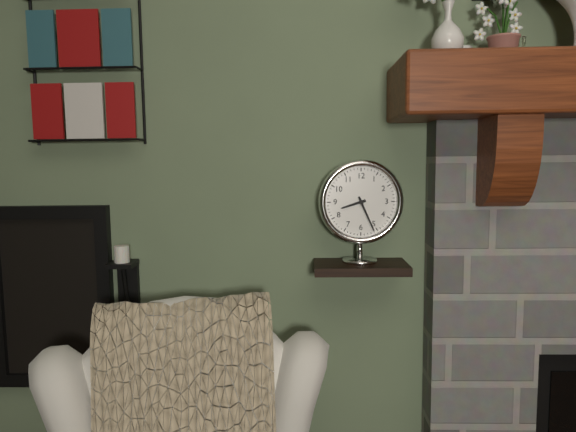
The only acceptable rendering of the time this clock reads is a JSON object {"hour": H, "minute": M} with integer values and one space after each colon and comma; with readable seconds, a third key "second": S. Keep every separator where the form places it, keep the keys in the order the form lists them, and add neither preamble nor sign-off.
{"hour": 8, "minute": 26}
